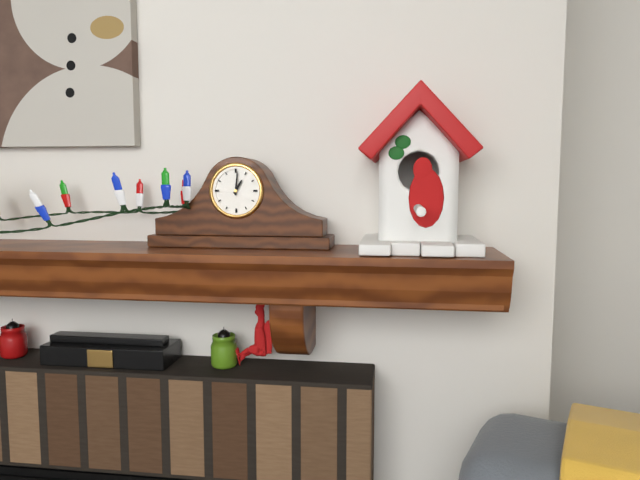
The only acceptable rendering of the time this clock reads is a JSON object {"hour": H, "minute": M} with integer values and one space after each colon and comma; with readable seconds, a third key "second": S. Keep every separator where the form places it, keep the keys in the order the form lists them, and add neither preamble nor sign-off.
{"hour": 1, "minute": 1}
